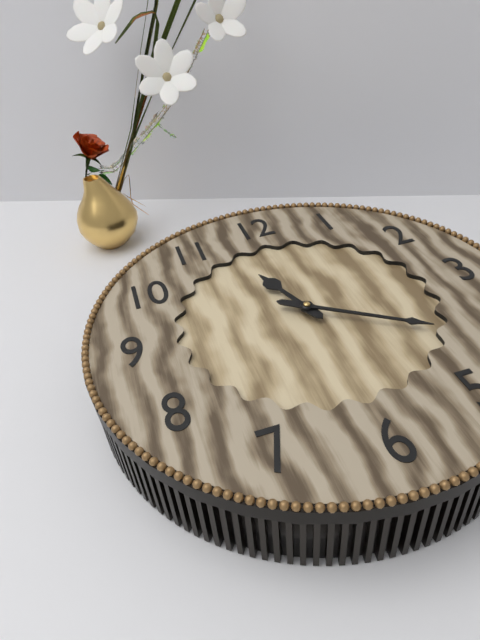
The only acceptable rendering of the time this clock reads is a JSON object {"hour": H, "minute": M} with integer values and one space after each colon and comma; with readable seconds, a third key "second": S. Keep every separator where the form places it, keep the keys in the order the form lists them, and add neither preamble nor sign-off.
{"hour": 11, "minute": 21}
